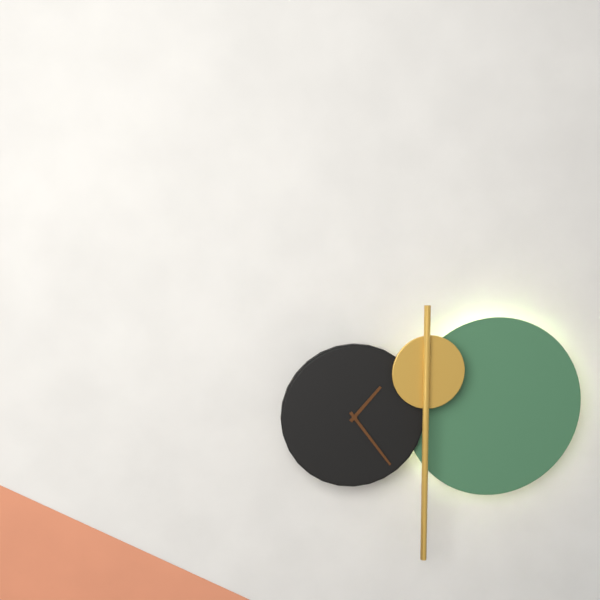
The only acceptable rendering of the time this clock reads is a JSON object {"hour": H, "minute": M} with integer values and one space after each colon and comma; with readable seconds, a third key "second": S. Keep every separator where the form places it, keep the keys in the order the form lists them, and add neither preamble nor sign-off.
{"hour": 1, "minute": 24}
